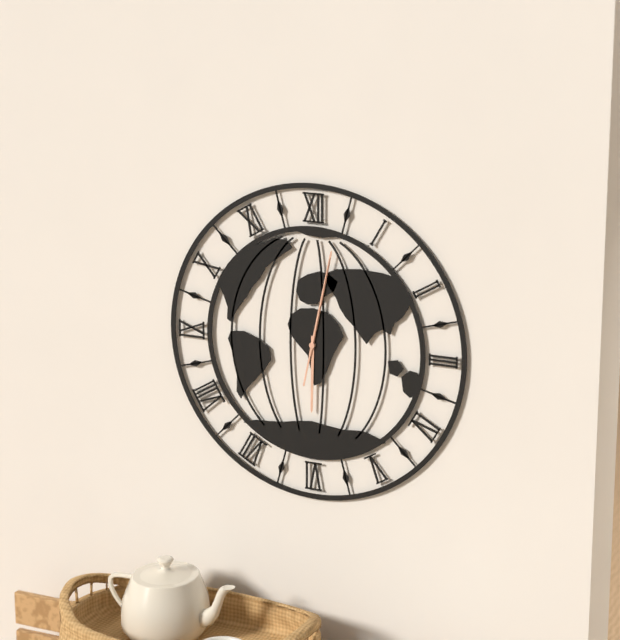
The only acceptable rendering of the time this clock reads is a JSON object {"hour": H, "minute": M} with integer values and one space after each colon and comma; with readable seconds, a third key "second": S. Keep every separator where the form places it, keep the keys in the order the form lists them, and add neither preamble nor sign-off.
{"hour": 6, "minute": 2, "second": 2}
